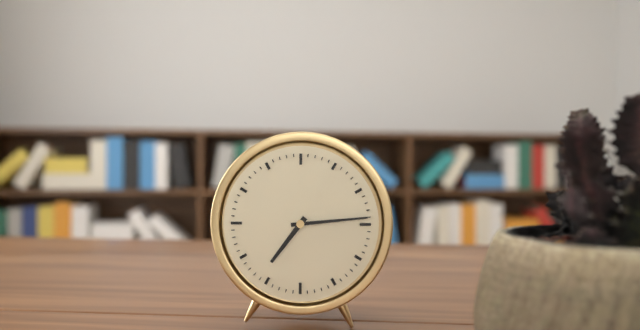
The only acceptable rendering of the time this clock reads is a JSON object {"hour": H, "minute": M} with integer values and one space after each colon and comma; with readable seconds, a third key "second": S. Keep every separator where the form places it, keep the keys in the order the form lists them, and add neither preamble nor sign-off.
{"hour": 7, "minute": 14}
